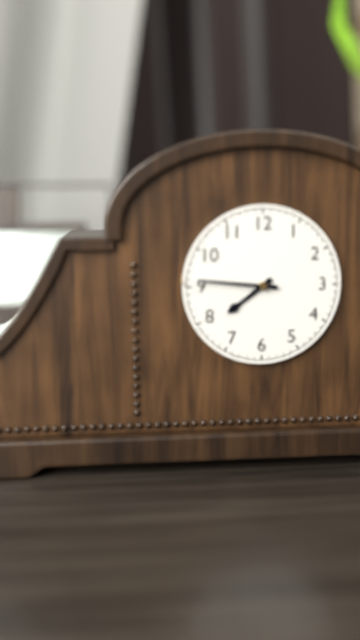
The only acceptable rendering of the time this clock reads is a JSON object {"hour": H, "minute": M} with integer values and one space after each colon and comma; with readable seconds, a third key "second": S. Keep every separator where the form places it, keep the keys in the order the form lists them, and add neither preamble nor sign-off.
{"hour": 7, "minute": 46}
